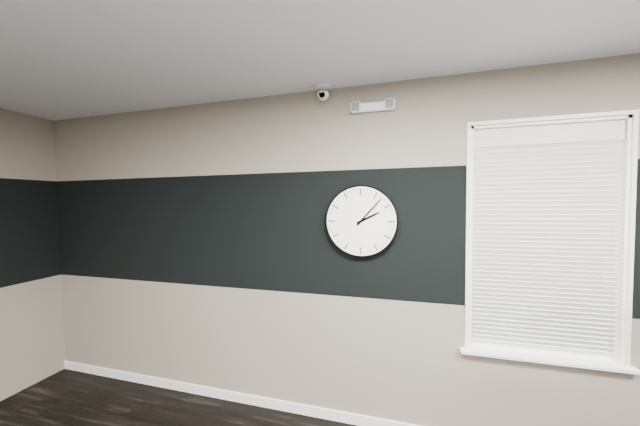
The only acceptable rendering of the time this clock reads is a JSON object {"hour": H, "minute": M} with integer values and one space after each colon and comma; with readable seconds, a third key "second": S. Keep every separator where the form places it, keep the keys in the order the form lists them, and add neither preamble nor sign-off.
{"hour": 2, "minute": 7}
